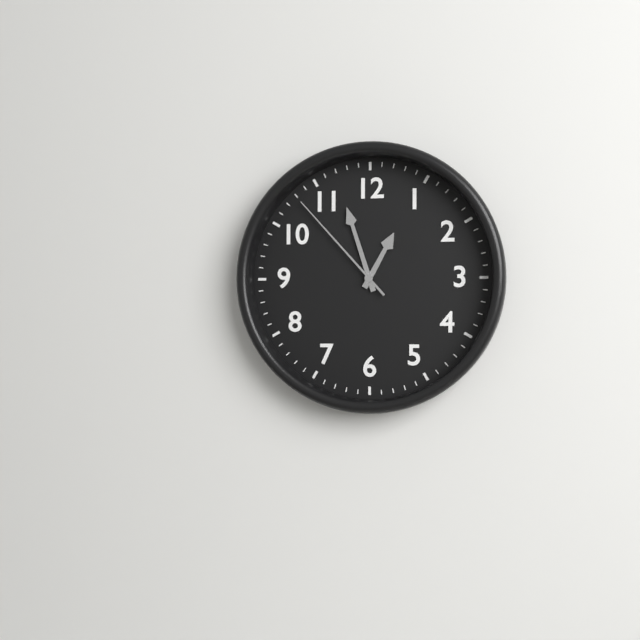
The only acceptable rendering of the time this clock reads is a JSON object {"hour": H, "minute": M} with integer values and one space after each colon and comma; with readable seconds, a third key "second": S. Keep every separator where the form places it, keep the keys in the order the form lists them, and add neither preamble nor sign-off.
{"hour": 12, "minute": 57, "second": 53}
